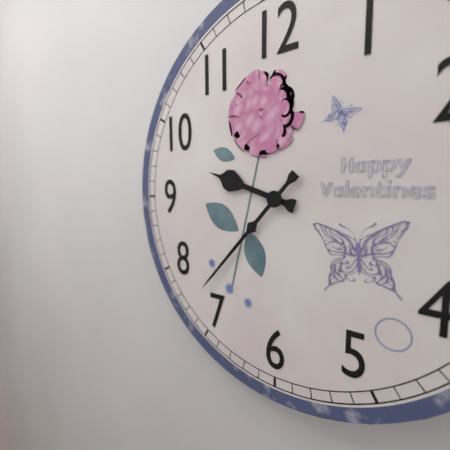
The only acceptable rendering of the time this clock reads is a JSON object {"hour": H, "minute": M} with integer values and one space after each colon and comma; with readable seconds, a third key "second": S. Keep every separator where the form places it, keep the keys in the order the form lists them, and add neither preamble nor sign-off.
{"hour": 9, "minute": 37}
